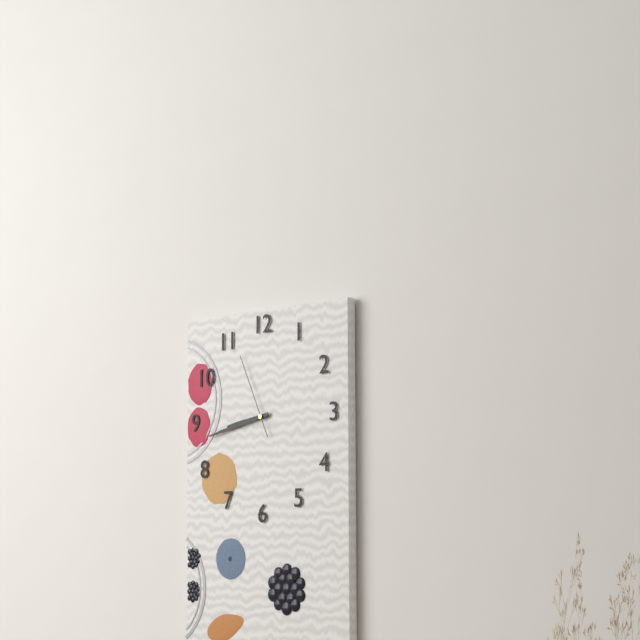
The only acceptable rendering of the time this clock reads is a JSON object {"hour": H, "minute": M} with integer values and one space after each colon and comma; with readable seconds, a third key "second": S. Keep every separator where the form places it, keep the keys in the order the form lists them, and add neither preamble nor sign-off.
{"hour": 8, "minute": 43, "second": 56}
